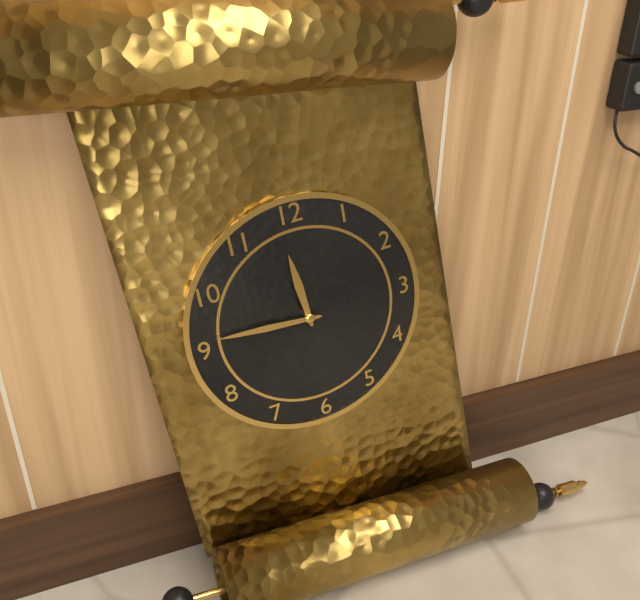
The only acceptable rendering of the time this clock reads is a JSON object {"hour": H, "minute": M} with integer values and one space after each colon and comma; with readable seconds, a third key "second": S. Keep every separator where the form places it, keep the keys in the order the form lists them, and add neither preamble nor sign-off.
{"hour": 11, "minute": 46}
